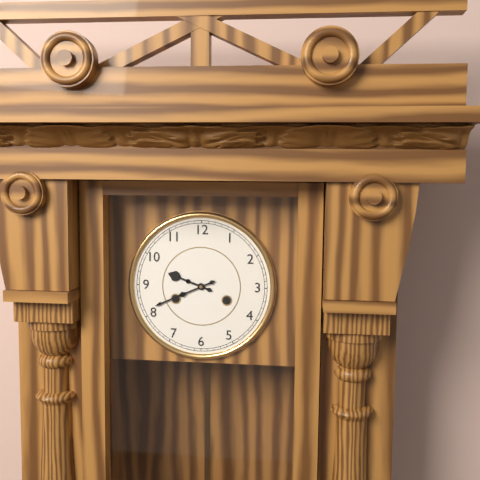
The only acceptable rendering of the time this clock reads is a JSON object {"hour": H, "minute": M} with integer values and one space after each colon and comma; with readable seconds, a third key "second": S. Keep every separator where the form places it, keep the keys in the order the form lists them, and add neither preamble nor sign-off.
{"hour": 9, "minute": 41}
